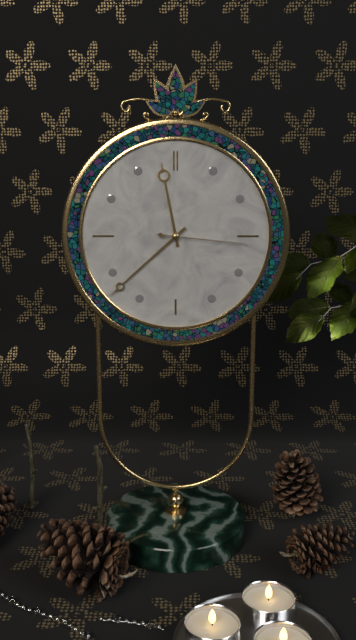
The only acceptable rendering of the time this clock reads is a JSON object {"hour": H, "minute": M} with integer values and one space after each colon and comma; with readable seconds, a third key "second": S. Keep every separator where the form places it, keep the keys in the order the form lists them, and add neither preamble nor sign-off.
{"hour": 11, "minute": 38, "second": 16}
